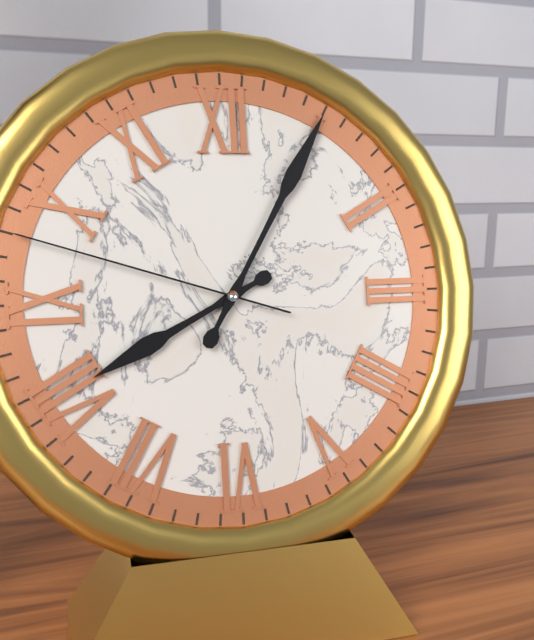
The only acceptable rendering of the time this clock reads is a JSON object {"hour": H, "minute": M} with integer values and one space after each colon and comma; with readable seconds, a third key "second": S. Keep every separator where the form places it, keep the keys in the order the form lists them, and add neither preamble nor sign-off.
{"hour": 8, "minute": 5, "second": 48}
